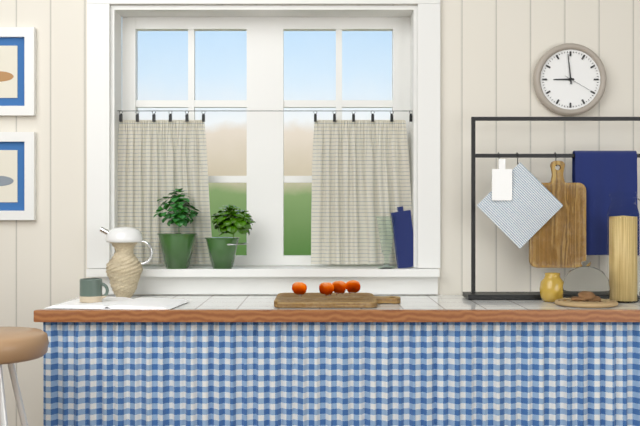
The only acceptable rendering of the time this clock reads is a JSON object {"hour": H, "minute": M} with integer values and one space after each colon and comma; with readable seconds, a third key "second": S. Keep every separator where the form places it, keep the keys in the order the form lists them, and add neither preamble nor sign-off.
{"hour": 8, "minute": 59}
